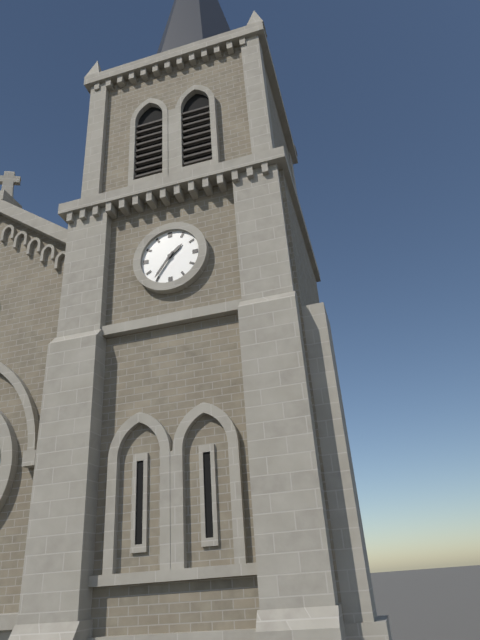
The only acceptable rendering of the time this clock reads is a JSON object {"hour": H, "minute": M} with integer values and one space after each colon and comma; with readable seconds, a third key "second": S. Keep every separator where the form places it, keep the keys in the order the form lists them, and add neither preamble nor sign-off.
{"hour": 1, "minute": 36}
